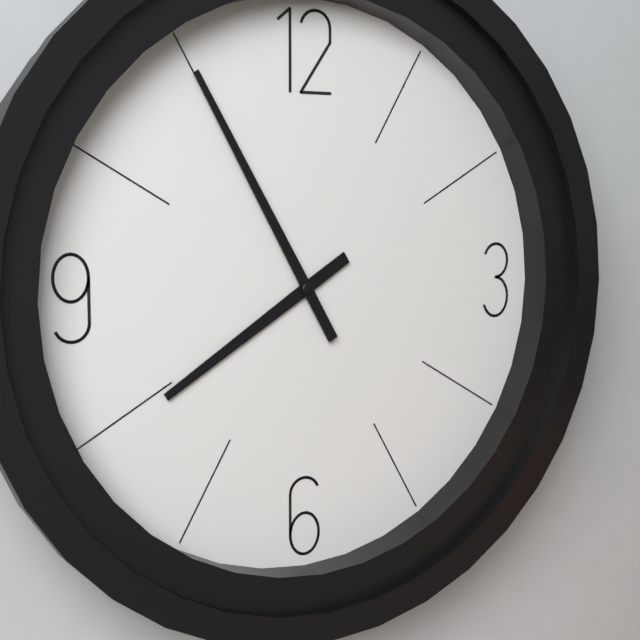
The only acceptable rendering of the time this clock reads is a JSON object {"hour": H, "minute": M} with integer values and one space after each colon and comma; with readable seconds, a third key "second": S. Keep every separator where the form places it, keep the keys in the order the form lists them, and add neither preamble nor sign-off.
{"hour": 7, "minute": 55}
